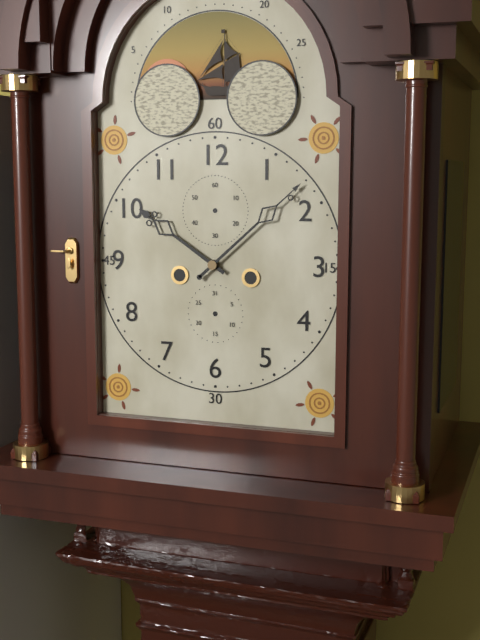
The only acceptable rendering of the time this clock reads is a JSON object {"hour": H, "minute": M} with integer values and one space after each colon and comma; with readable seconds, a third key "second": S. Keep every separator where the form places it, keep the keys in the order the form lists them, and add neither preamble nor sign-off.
{"hour": 10, "minute": 8}
